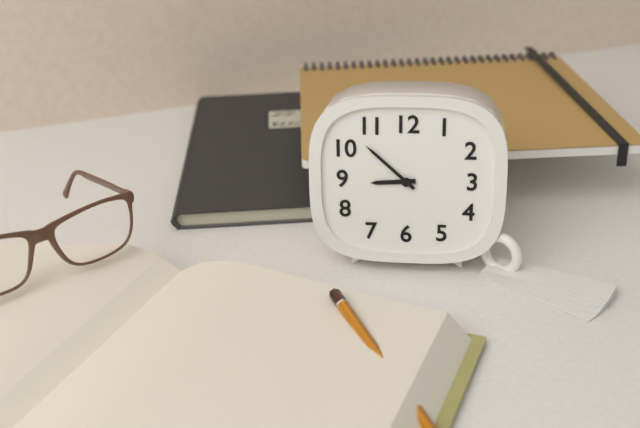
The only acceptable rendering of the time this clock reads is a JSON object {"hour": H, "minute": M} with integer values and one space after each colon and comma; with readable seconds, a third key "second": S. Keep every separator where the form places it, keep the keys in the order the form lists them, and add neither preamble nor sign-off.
{"hour": 8, "minute": 52}
